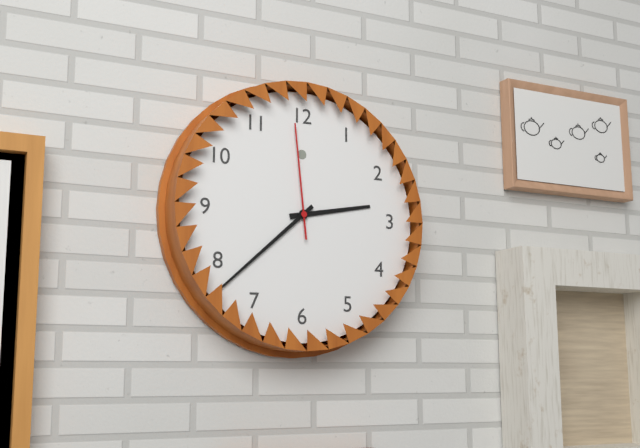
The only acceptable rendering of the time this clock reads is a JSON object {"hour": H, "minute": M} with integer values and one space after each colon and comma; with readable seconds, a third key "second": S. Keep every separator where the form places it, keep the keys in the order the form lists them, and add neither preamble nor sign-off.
{"hour": 2, "minute": 38, "second": 59}
